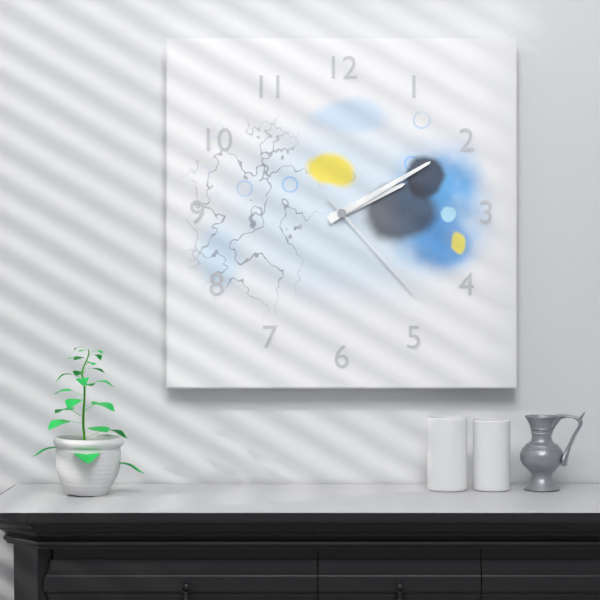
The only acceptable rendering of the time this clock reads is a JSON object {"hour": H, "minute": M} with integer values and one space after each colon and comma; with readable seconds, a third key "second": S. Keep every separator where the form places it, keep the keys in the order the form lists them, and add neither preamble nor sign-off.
{"hour": 2, "minute": 10, "second": 23}
